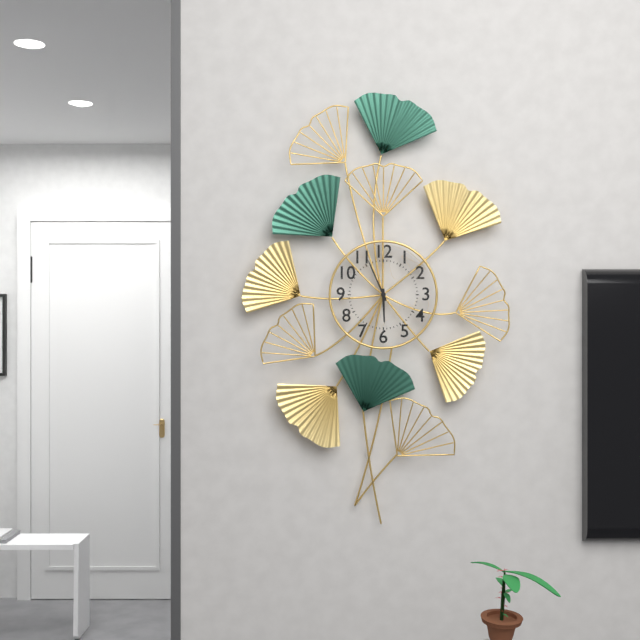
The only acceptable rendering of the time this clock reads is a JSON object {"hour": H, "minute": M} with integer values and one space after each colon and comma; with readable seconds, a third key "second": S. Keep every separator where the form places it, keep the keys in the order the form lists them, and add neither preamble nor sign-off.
{"hour": 5, "minute": 56}
